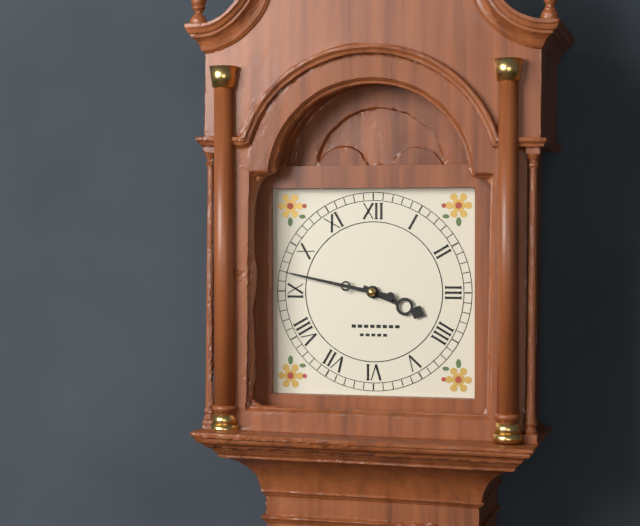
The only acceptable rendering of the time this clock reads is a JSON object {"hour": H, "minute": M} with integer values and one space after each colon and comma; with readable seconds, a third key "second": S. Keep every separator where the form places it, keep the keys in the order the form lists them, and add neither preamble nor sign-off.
{"hour": 3, "minute": 47}
